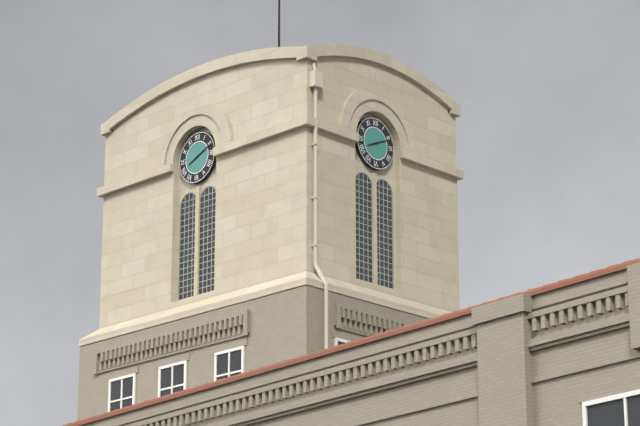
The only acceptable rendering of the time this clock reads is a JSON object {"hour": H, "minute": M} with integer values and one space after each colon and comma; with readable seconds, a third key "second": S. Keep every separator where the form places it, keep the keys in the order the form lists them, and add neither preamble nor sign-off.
{"hour": 8, "minute": 11}
